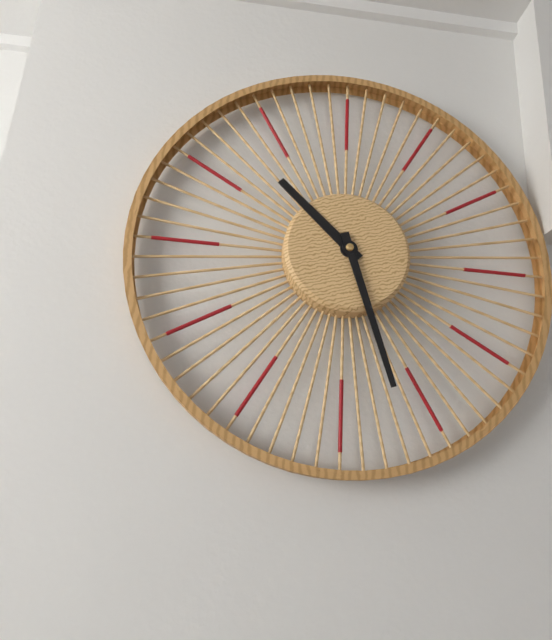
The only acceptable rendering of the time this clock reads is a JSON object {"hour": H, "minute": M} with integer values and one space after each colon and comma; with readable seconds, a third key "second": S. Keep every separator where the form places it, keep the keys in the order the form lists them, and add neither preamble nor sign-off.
{"hour": 10, "minute": 27}
